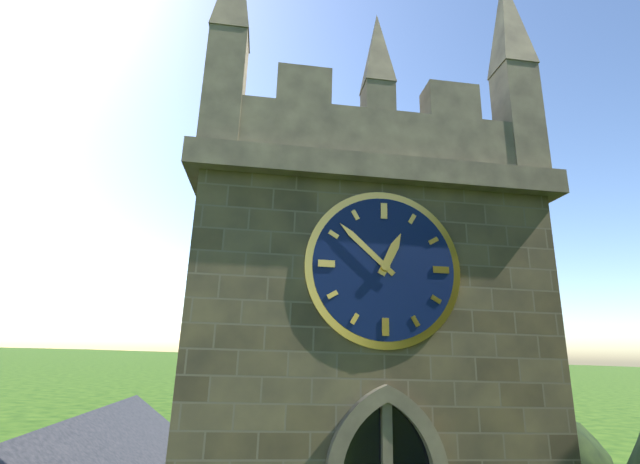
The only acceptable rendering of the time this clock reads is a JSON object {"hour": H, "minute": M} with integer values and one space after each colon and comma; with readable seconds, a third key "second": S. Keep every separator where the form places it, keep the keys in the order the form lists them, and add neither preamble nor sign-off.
{"hour": 12, "minute": 52}
